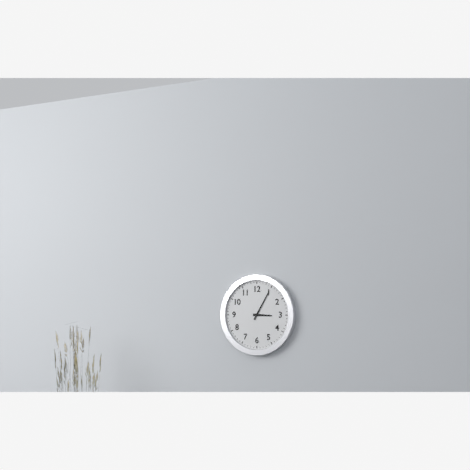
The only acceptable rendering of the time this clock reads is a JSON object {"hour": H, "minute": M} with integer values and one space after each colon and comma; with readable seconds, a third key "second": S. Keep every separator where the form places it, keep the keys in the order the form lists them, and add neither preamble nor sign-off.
{"hour": 3, "minute": 5}
